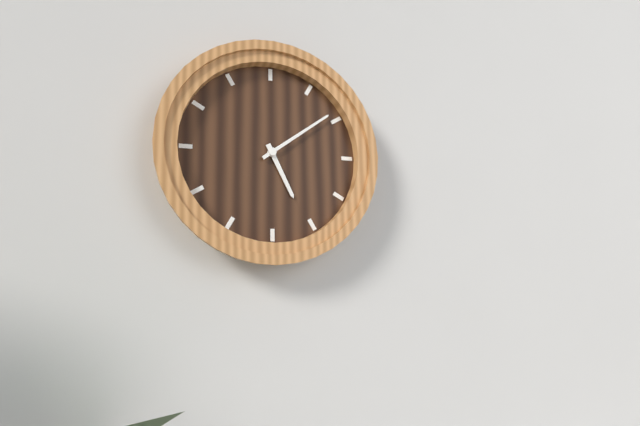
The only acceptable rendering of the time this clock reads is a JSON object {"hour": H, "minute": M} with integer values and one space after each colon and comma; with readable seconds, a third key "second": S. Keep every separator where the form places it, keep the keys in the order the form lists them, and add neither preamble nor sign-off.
{"hour": 5, "minute": 9}
